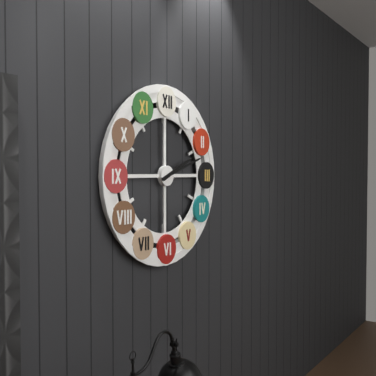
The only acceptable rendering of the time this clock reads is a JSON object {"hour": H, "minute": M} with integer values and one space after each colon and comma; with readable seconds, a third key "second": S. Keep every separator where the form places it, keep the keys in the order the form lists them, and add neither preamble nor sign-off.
{"hour": 2, "minute": 12}
